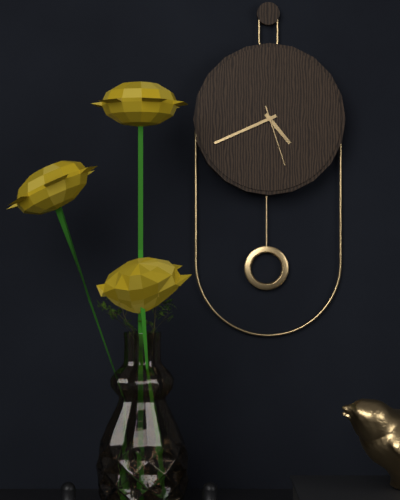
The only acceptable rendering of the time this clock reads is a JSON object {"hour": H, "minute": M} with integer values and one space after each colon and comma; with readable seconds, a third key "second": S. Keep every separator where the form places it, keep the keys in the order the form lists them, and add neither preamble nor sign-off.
{"hour": 4, "minute": 41, "second": 27}
